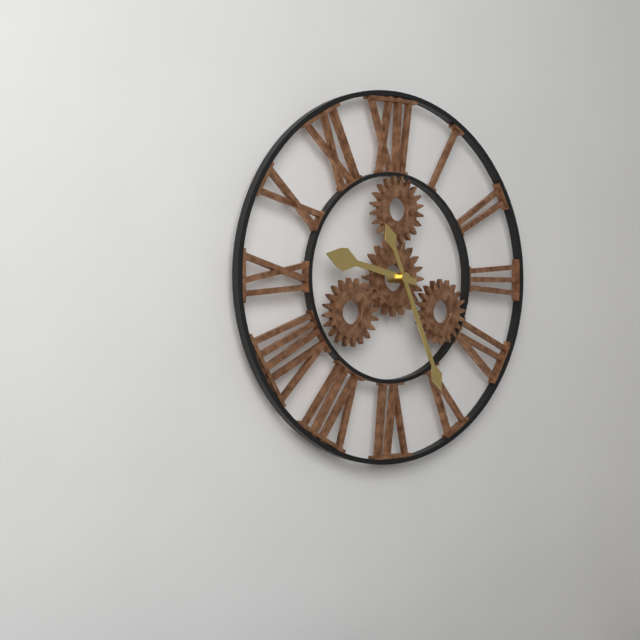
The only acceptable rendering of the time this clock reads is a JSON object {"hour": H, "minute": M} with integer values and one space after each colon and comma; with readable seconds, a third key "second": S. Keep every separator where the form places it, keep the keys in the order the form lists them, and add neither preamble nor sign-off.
{"hour": 9, "minute": 26}
